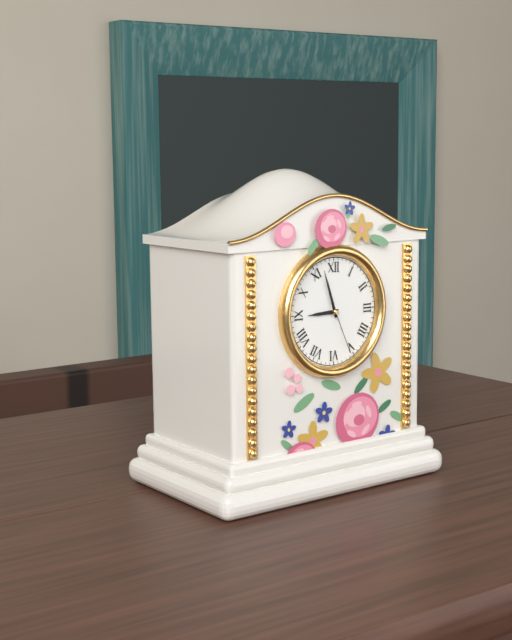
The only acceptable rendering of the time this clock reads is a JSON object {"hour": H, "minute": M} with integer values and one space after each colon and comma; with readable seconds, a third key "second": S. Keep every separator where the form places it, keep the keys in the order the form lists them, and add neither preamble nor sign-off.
{"hour": 8, "minute": 57, "second": 26}
